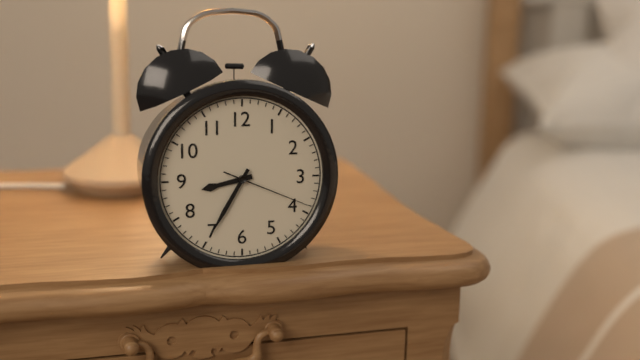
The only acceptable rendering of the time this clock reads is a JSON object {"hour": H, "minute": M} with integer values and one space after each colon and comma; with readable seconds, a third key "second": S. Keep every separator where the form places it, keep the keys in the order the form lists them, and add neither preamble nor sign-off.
{"hour": 8, "minute": 35, "second": 19}
